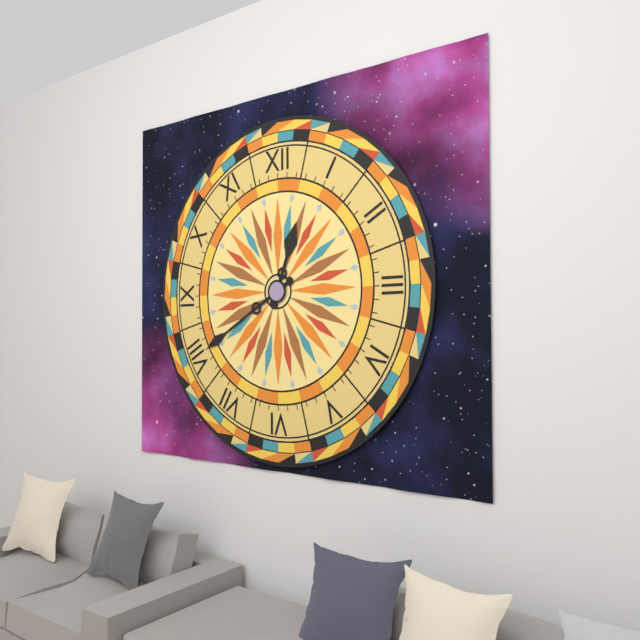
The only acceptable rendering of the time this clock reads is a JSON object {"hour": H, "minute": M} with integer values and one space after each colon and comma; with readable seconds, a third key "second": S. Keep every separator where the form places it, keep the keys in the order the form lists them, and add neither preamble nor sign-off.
{"hour": 12, "minute": 40}
